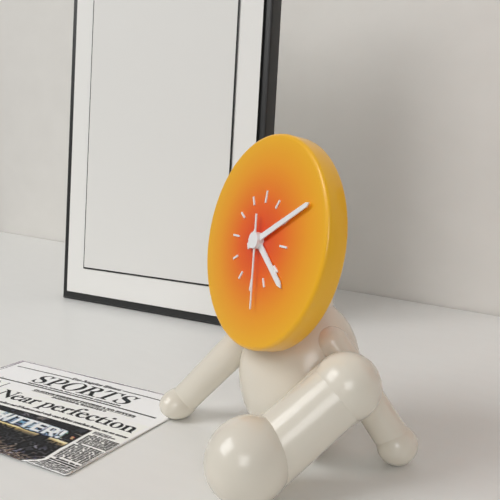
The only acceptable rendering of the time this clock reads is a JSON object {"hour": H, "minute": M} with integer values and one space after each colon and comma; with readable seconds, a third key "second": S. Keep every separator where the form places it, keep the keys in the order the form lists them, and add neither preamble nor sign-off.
{"hour": 4, "minute": 10, "second": 28}
